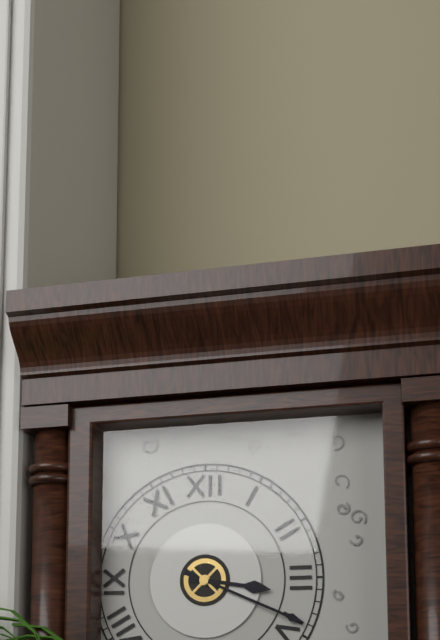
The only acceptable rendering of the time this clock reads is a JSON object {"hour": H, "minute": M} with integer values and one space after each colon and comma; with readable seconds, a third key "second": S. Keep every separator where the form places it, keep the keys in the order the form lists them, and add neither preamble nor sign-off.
{"hour": 3, "minute": 19}
